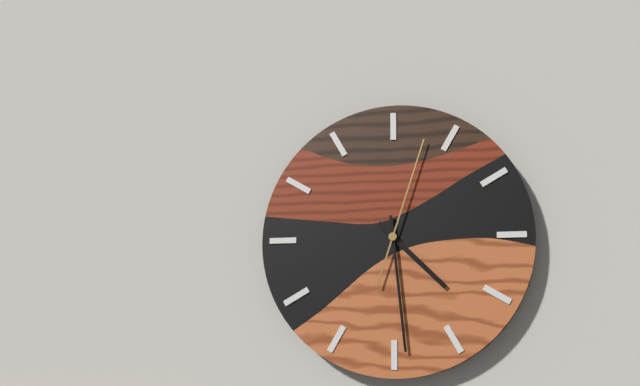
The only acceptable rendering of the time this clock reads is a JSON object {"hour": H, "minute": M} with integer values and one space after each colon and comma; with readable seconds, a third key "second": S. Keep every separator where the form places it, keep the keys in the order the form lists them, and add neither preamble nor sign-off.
{"hour": 4, "minute": 29, "second": 3}
